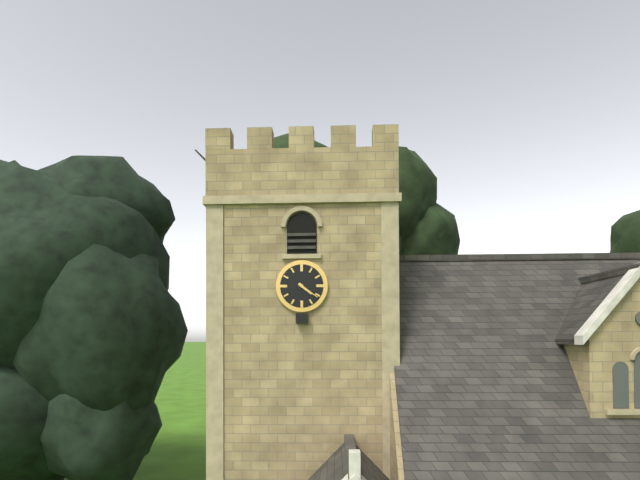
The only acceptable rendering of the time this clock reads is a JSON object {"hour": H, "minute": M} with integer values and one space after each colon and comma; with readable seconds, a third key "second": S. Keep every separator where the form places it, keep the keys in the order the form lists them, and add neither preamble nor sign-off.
{"hour": 4, "minute": 21}
